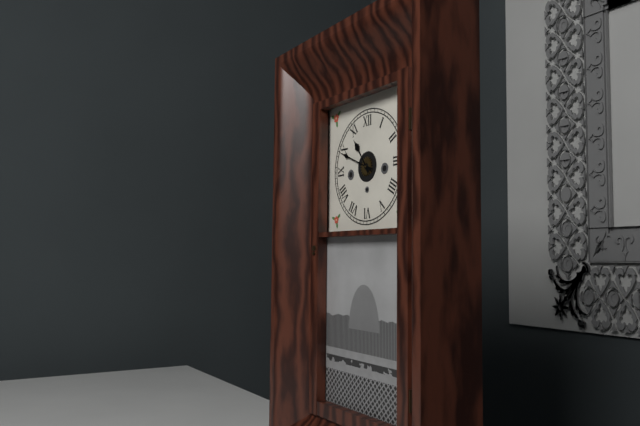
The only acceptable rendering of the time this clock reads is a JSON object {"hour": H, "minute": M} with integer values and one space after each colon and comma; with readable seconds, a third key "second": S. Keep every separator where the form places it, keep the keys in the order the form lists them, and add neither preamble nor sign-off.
{"hour": 10, "minute": 49}
